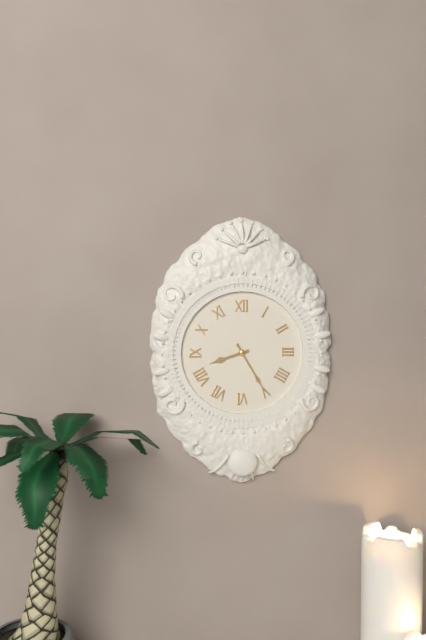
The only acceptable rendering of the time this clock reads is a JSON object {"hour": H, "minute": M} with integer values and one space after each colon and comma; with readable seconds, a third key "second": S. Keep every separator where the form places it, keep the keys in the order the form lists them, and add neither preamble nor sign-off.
{"hour": 8, "minute": 25}
